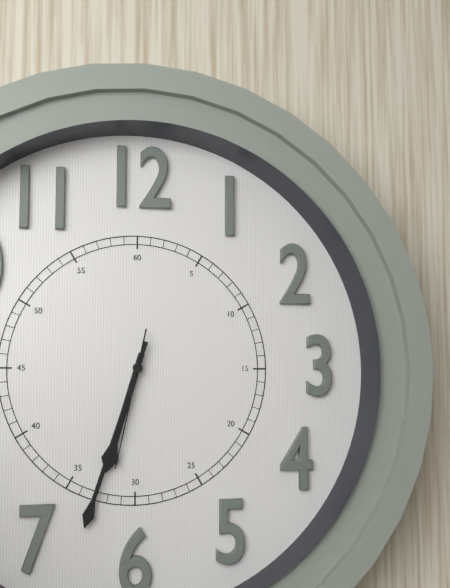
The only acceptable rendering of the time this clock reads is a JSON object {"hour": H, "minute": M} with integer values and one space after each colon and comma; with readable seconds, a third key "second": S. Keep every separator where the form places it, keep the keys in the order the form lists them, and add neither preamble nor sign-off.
{"hour": 6, "minute": 33, "second": 32}
